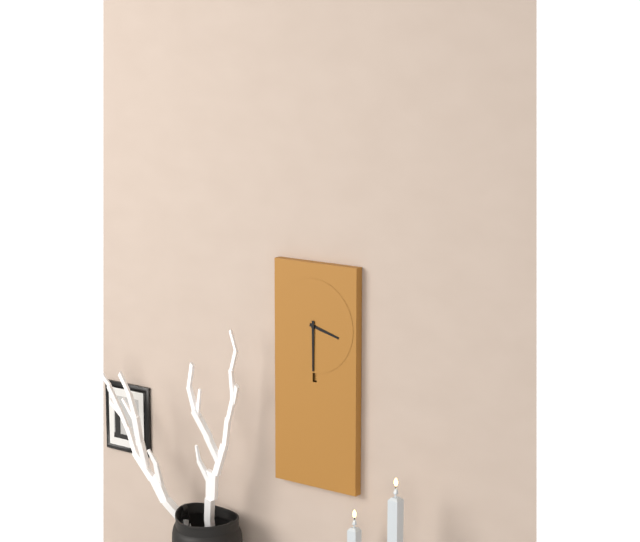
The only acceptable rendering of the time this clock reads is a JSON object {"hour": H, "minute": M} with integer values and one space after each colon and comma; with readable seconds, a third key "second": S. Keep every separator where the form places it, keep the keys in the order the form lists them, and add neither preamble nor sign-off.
{"hour": 3, "minute": 30}
